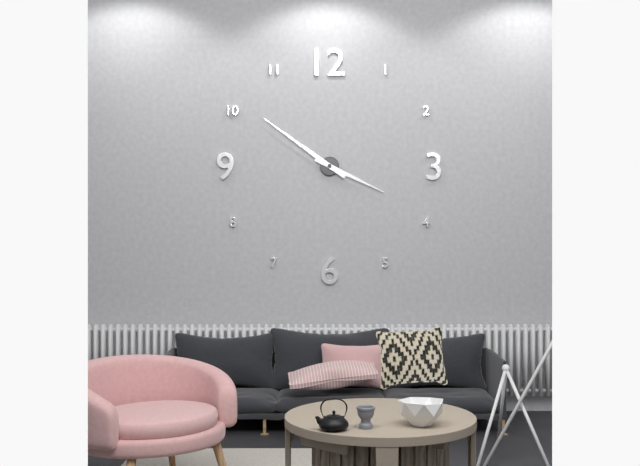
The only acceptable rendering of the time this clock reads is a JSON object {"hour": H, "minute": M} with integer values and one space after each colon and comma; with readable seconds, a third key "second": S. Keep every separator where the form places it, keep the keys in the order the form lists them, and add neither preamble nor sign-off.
{"hour": 3, "minute": 51}
